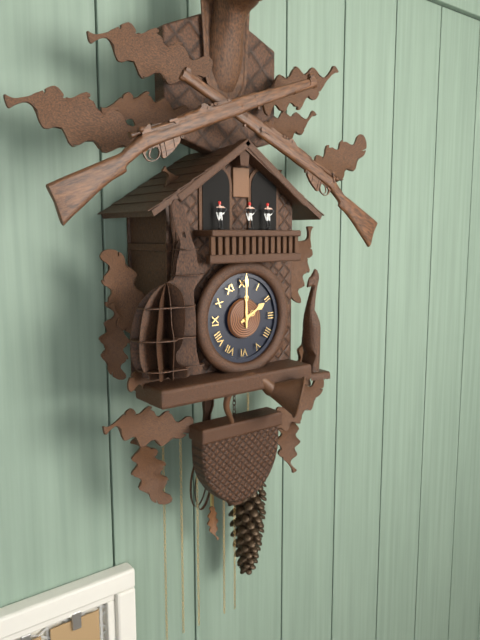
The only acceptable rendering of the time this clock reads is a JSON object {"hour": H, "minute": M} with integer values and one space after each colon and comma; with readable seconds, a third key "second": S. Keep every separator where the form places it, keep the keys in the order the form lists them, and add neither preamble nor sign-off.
{"hour": 2, "minute": 0}
